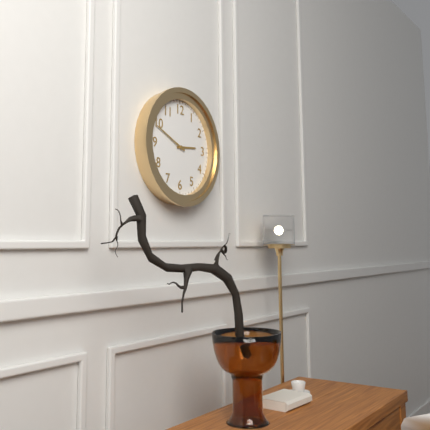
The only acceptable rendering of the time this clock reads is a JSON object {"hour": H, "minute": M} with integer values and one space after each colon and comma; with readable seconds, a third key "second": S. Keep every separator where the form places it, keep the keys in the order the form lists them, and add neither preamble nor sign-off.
{"hour": 2, "minute": 49}
